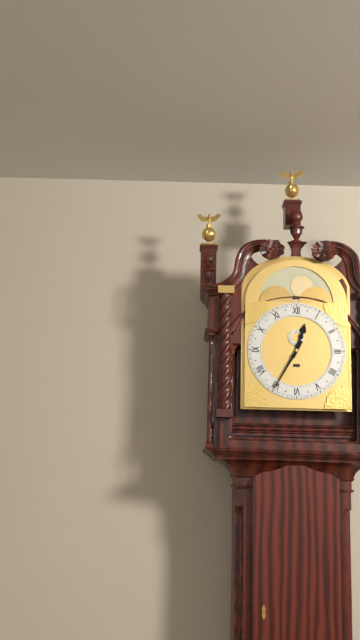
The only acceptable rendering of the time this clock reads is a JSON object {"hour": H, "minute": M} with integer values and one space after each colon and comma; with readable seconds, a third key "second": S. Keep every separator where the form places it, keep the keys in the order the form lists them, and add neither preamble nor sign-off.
{"hour": 12, "minute": 35}
